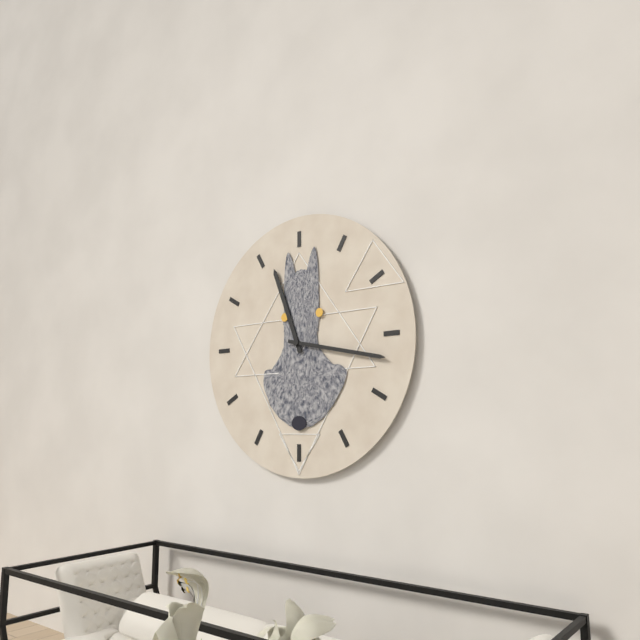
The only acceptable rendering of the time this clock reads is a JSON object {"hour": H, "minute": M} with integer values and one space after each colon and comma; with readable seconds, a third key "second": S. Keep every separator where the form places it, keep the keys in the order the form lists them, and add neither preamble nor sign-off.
{"hour": 11, "minute": 17}
